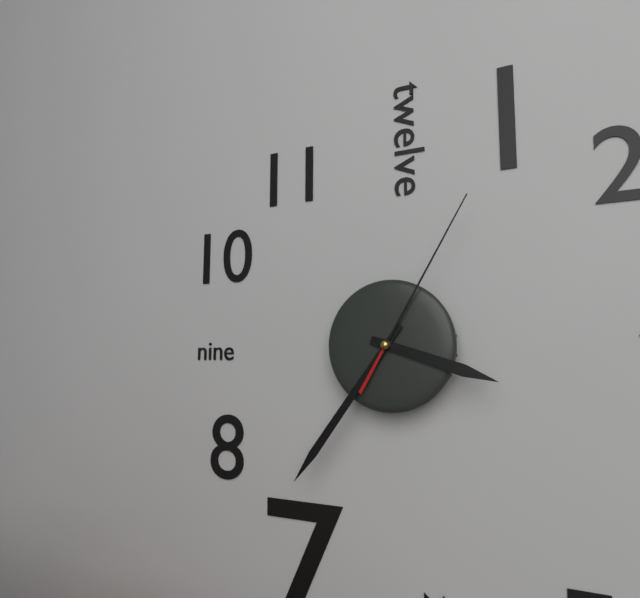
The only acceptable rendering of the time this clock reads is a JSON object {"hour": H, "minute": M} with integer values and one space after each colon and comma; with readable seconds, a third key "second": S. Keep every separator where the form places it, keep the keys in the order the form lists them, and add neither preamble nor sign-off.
{"hour": 3, "minute": 36, "second": 5}
